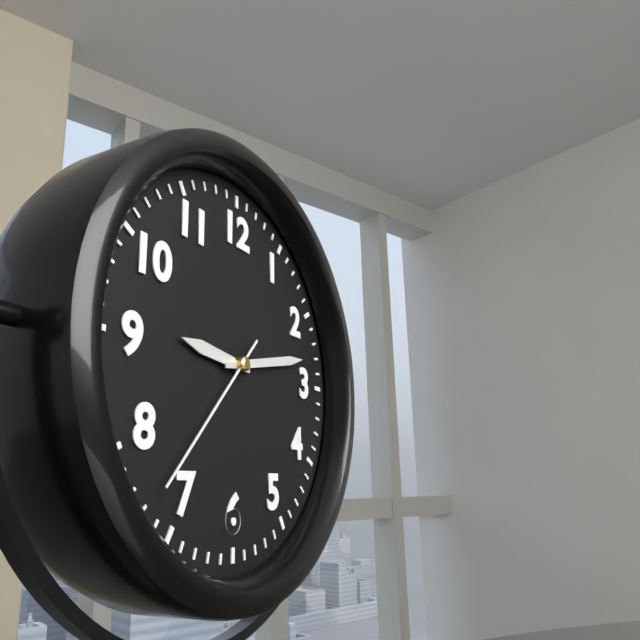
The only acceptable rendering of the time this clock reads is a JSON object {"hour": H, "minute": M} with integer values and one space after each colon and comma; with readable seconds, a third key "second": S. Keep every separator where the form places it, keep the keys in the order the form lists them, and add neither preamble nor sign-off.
{"hour": 9, "minute": 13, "second": 37}
